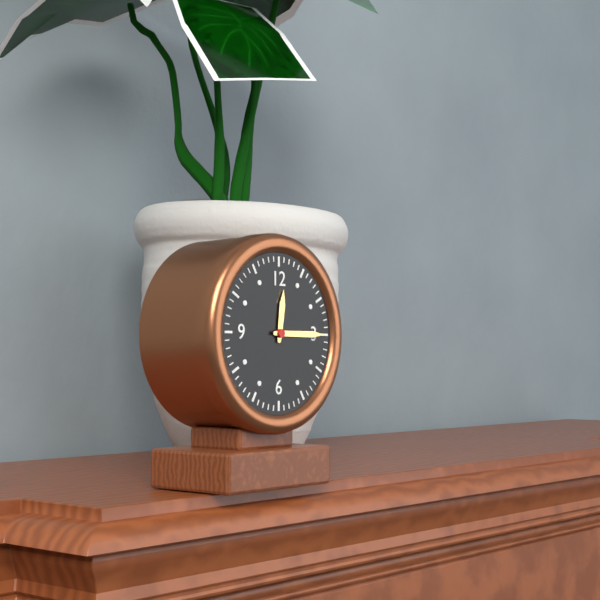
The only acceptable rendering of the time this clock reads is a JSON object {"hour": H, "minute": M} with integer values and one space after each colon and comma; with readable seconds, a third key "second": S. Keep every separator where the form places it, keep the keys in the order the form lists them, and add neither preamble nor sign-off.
{"hour": 12, "minute": 15}
